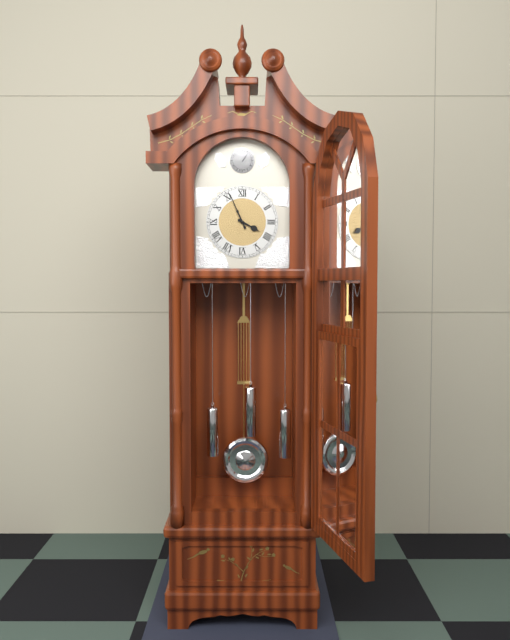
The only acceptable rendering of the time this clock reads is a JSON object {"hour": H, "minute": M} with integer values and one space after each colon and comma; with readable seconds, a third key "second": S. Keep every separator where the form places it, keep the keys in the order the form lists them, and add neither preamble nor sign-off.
{"hour": 3, "minute": 56}
